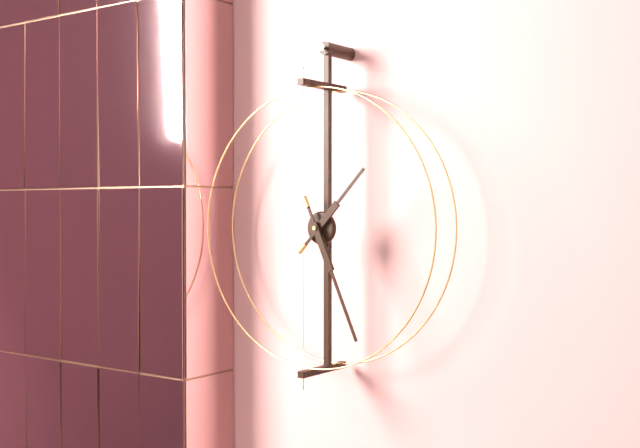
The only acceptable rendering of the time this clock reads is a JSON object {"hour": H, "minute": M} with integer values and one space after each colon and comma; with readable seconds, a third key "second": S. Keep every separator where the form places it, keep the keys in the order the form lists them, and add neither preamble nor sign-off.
{"hour": 1, "minute": 26}
